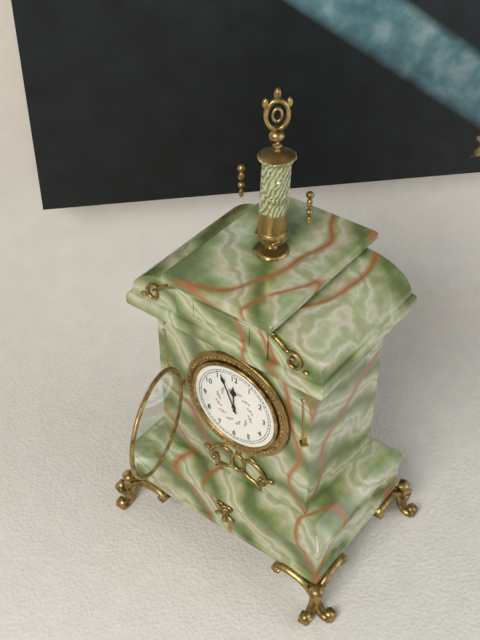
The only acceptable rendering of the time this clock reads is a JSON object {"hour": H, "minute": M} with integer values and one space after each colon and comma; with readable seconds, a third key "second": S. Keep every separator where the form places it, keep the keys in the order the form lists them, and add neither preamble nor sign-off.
{"hour": 11, "minute": 56}
